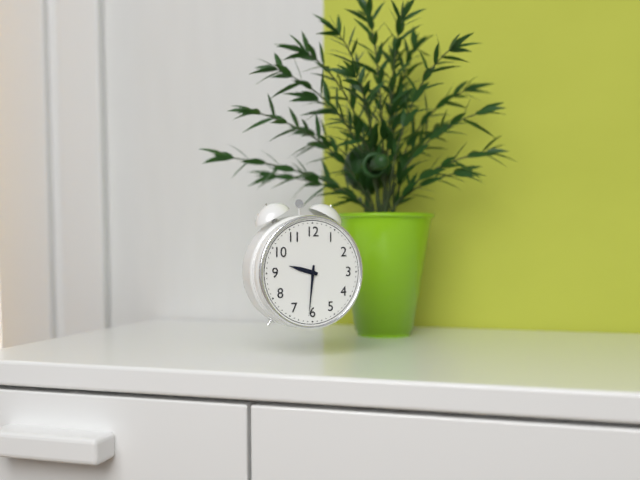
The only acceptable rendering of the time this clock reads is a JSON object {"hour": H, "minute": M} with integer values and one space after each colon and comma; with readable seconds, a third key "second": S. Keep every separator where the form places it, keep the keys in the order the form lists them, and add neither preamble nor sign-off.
{"hour": 9, "minute": 31}
